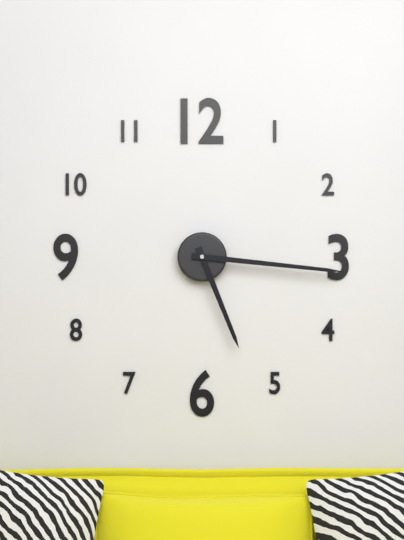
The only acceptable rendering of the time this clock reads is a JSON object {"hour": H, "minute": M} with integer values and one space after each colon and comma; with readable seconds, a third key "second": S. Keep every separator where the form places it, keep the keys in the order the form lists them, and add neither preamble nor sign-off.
{"hour": 5, "minute": 16}
